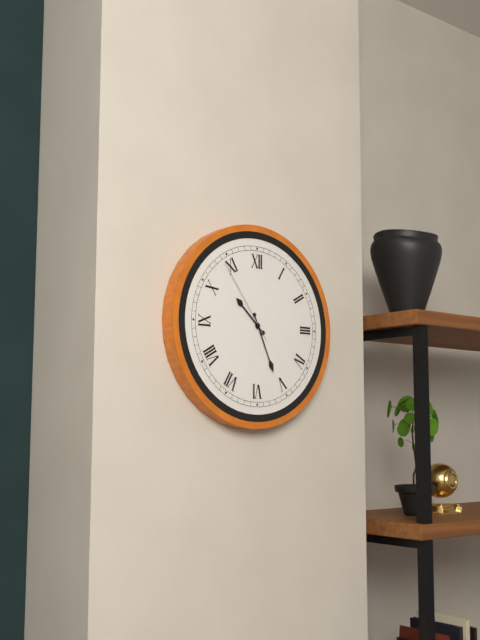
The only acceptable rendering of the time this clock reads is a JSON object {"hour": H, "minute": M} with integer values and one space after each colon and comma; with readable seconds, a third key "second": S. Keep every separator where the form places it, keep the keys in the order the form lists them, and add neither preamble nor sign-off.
{"hour": 10, "minute": 26, "second": 54}
